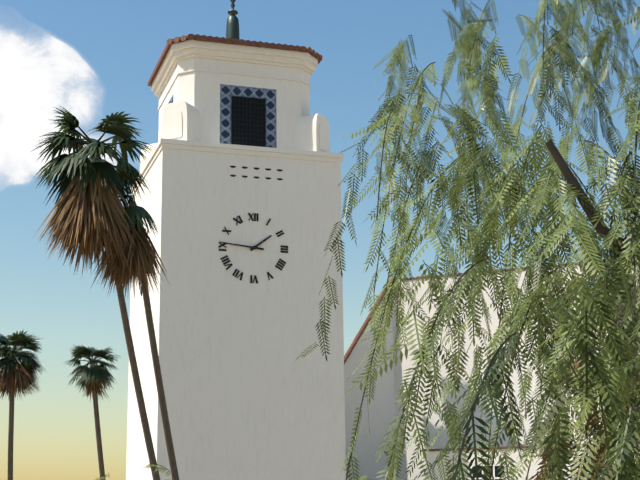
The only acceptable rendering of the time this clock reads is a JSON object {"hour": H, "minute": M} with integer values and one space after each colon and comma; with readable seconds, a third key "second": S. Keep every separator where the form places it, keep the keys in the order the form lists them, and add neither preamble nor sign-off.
{"hour": 1, "minute": 46}
